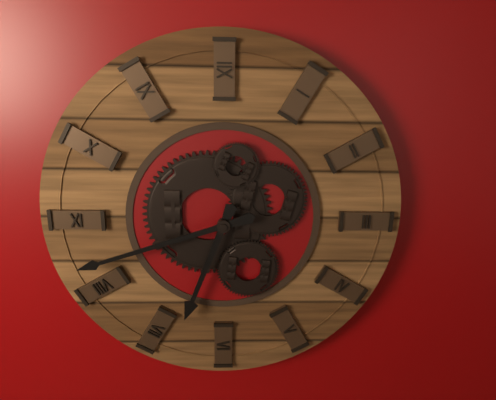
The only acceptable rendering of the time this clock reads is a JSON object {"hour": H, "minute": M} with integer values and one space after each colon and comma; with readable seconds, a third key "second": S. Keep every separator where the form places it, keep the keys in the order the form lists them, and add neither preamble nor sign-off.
{"hour": 6, "minute": 42}
